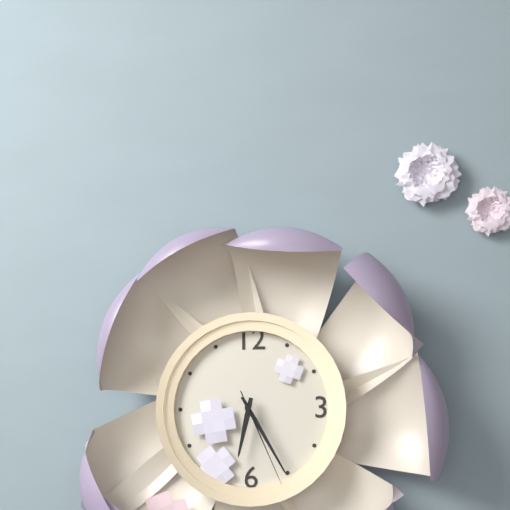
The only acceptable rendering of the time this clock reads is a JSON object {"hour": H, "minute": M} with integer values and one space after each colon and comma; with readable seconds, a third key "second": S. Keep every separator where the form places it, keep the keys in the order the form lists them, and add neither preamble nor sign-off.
{"hour": 6, "minute": 25, "second": 26}
